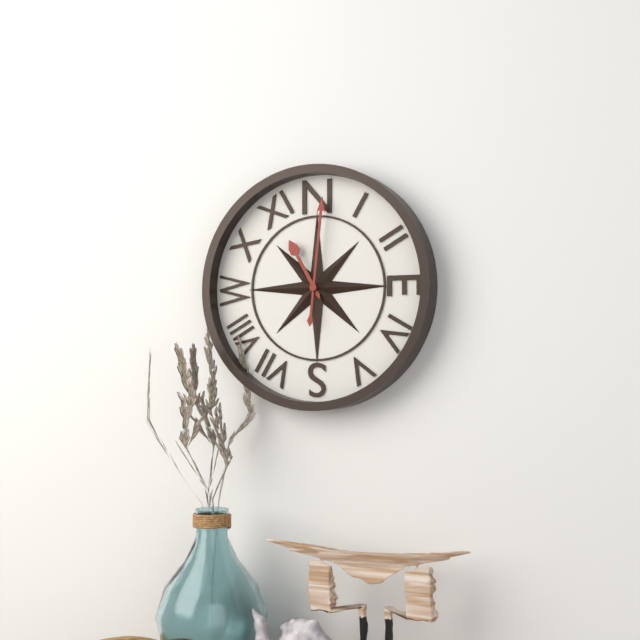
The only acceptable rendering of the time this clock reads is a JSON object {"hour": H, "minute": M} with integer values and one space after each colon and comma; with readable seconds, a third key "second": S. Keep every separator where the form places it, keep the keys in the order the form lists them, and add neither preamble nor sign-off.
{"hour": 11, "minute": 1}
